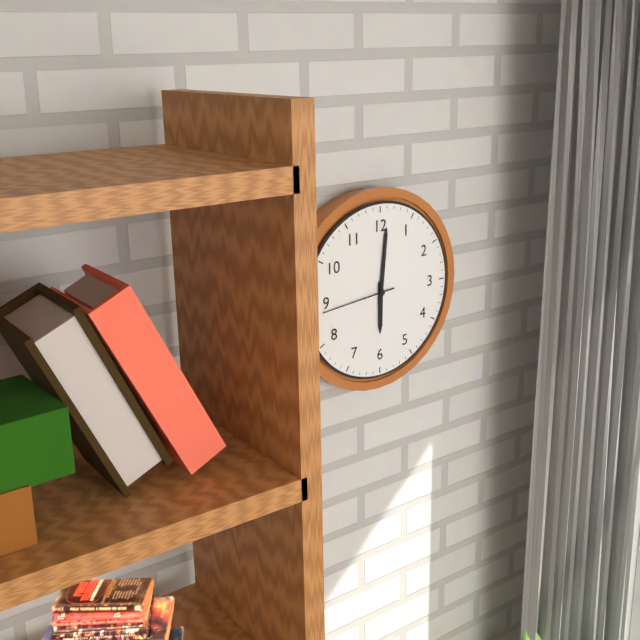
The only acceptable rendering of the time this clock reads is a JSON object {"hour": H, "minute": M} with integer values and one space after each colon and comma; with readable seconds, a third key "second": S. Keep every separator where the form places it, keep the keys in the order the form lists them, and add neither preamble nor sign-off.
{"hour": 6, "minute": 1, "second": 44}
